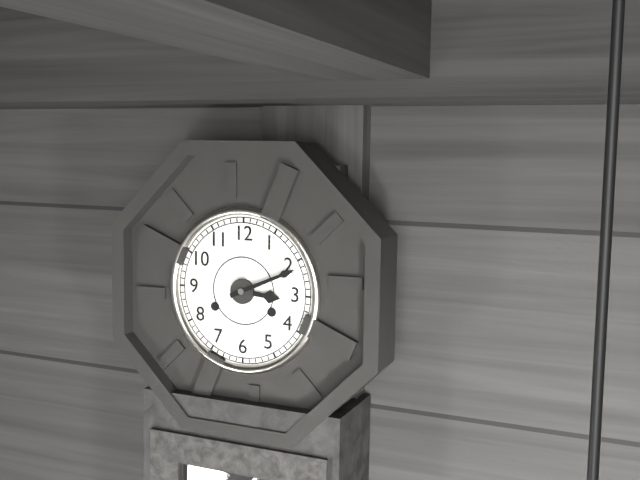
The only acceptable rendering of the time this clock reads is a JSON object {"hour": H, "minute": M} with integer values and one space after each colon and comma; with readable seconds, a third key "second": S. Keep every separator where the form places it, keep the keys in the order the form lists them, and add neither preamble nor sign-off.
{"hour": 3, "minute": 11}
